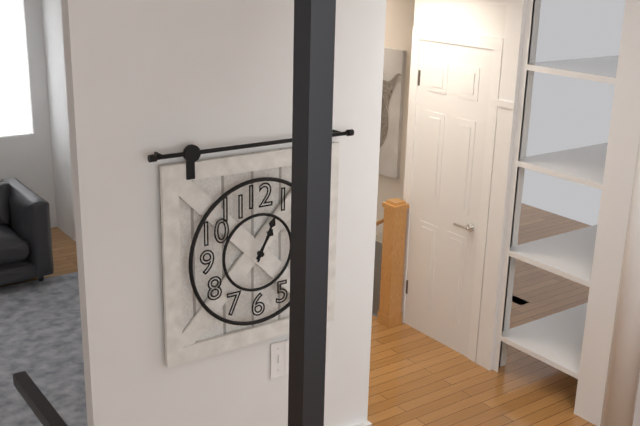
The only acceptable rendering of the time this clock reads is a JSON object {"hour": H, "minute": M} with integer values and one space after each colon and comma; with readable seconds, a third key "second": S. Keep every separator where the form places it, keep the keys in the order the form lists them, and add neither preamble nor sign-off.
{"hour": 1, "minute": 4}
